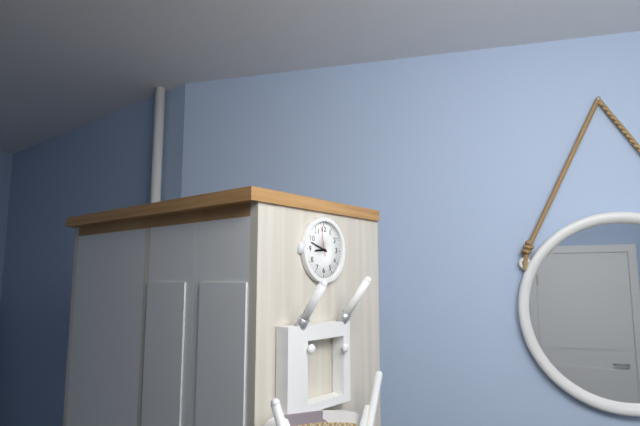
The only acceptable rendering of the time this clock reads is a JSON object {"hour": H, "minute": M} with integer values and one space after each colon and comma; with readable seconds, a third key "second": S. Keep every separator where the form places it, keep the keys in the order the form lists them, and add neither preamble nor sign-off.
{"hour": 8, "minute": 48}
